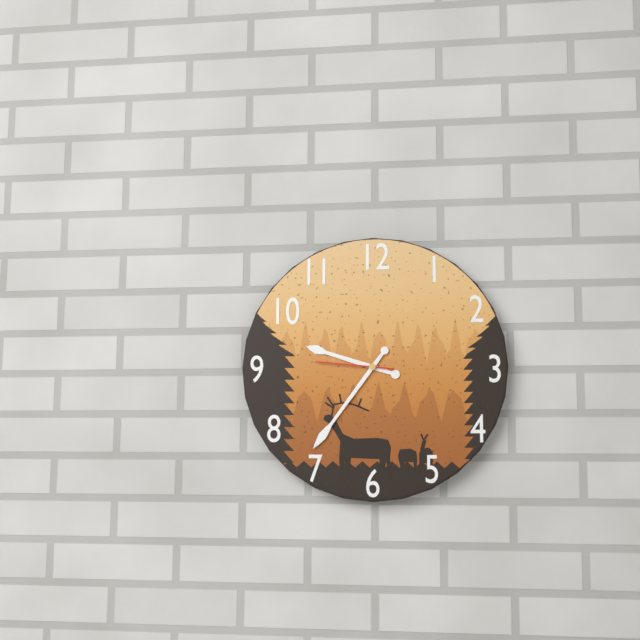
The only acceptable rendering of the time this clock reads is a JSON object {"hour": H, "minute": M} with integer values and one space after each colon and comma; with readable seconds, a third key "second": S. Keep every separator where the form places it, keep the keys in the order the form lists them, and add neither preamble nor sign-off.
{"hour": 9, "minute": 36, "second": 46}
